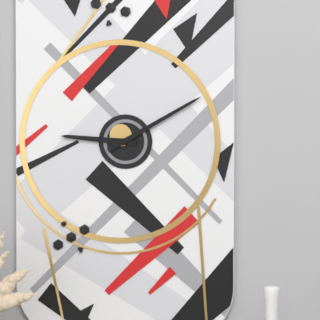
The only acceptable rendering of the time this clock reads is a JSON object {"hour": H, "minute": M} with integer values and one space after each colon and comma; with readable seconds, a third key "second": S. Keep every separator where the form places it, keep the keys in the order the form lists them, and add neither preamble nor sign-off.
{"hour": 9, "minute": 10}
